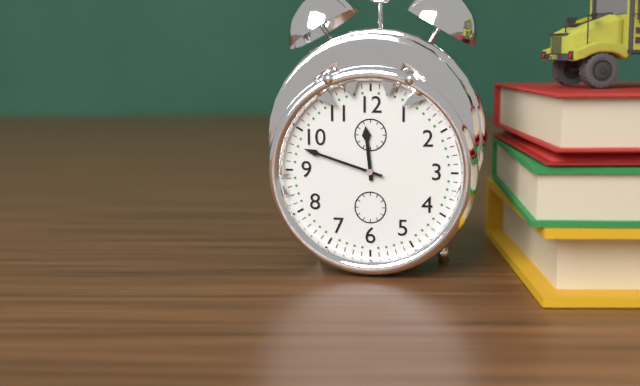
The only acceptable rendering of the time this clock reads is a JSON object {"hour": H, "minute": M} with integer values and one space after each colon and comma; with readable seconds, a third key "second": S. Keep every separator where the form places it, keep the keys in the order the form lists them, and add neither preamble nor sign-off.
{"hour": 11, "minute": 48}
